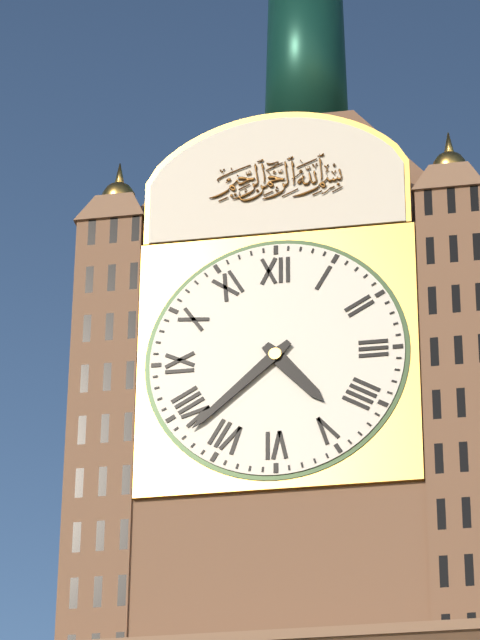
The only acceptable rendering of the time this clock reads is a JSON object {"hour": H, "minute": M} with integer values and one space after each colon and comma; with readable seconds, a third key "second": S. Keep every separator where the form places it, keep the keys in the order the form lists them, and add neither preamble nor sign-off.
{"hour": 4, "minute": 38}
